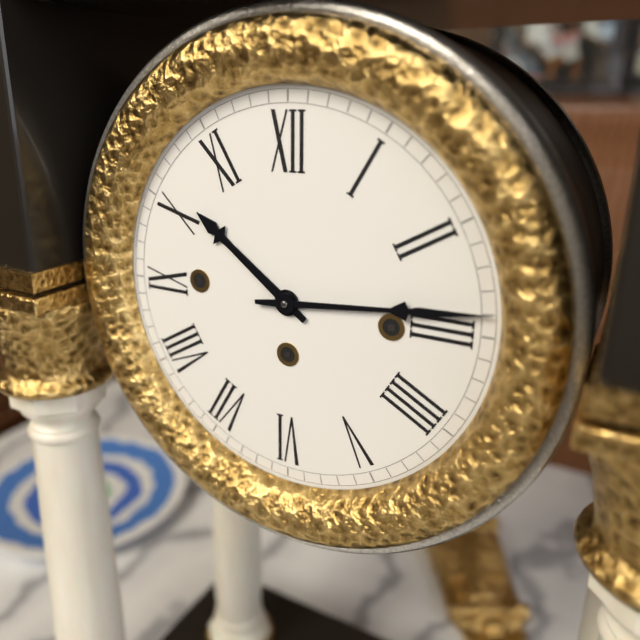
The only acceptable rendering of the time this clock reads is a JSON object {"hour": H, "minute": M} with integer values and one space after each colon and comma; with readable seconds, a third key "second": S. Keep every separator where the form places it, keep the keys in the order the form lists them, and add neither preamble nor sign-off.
{"hour": 10, "minute": 14}
